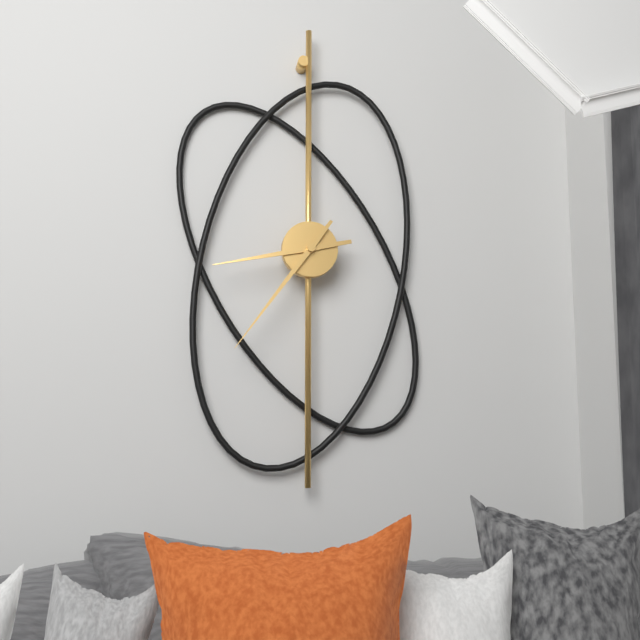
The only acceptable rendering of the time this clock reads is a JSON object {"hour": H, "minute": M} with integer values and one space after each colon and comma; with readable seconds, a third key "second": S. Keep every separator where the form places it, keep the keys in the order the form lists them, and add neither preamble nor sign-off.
{"hour": 8, "minute": 36}
